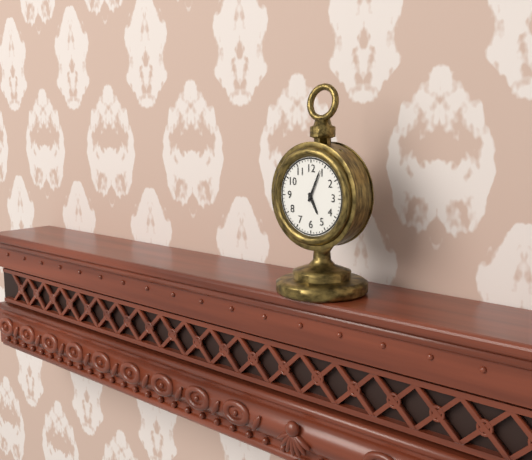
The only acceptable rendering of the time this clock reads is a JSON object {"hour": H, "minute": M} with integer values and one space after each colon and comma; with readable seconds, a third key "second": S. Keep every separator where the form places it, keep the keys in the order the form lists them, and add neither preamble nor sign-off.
{"hour": 5, "minute": 4}
